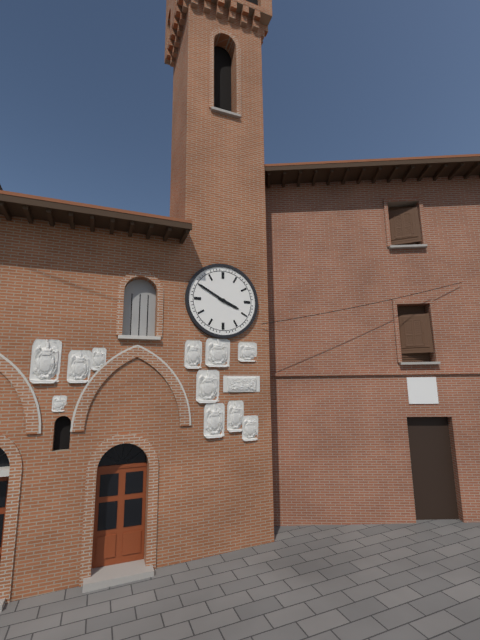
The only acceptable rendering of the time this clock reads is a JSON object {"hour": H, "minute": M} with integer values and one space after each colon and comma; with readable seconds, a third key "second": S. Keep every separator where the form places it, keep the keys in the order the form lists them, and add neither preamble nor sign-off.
{"hour": 3, "minute": 50}
